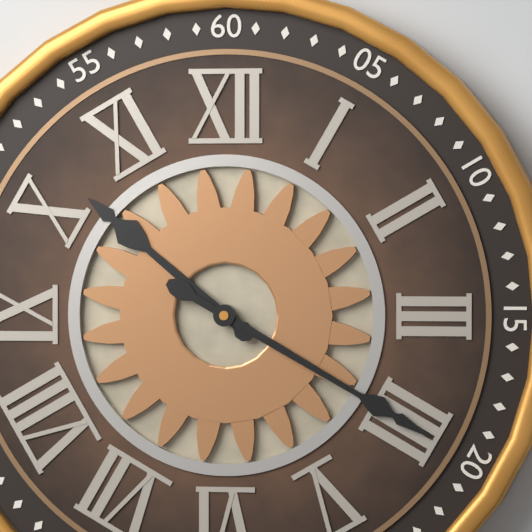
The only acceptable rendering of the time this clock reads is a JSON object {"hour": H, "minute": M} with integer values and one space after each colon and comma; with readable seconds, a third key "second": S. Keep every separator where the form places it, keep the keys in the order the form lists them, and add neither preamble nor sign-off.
{"hour": 10, "minute": 20}
